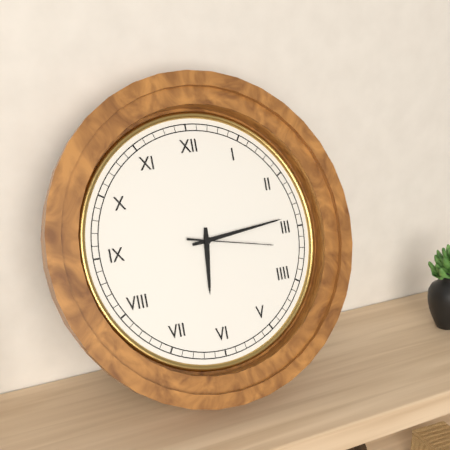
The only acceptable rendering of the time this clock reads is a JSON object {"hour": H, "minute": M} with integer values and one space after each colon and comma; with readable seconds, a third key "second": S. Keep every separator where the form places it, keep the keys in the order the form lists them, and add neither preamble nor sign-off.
{"hour": 6, "minute": 14, "second": 17}
